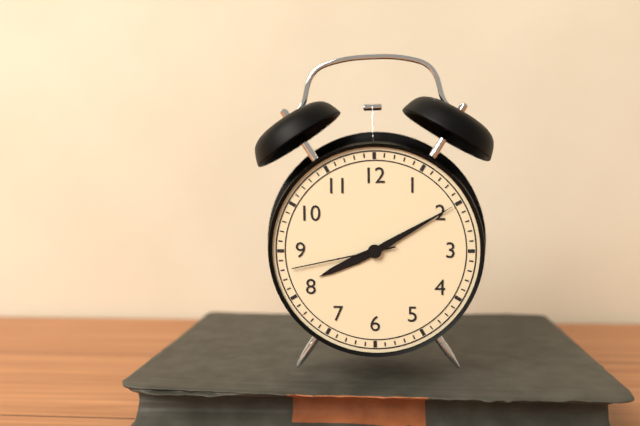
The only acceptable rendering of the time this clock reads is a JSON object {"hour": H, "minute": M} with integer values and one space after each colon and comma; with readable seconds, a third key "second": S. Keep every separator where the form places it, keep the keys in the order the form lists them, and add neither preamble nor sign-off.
{"hour": 8, "minute": 10, "second": 43}
